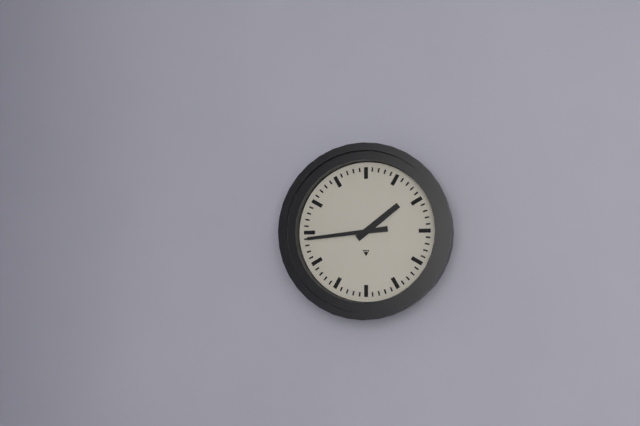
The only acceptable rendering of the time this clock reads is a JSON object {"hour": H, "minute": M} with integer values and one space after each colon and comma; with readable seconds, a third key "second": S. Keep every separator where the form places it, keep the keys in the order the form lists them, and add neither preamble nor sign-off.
{"hour": 1, "minute": 44}
